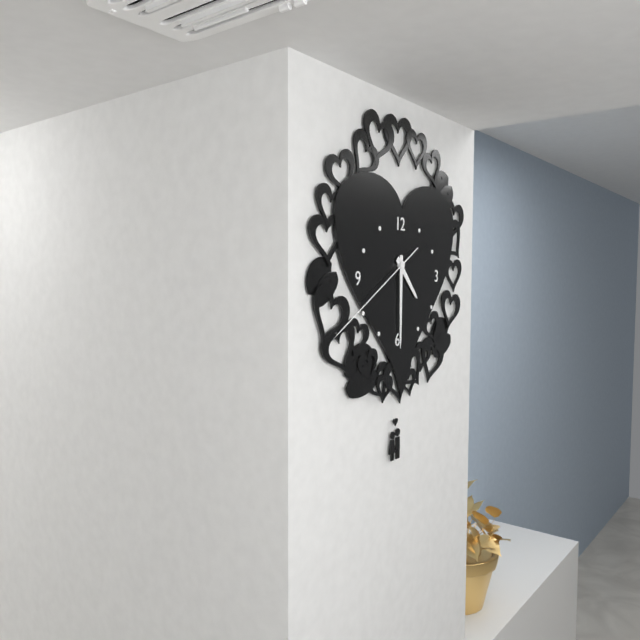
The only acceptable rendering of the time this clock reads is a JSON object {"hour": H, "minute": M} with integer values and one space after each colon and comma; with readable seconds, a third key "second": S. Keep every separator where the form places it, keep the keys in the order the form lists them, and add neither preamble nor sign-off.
{"hour": 4, "minute": 30, "second": 40}
